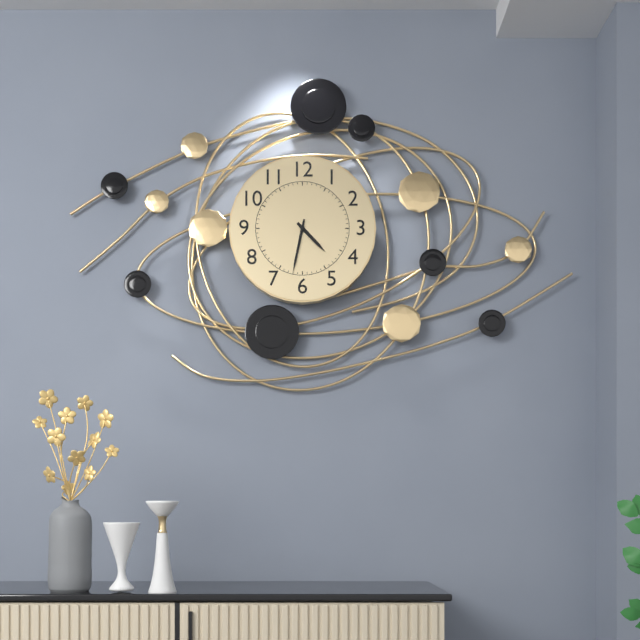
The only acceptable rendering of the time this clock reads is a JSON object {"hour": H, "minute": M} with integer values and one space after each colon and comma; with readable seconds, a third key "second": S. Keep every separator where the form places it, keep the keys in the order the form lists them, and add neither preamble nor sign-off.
{"hour": 4, "minute": 32}
